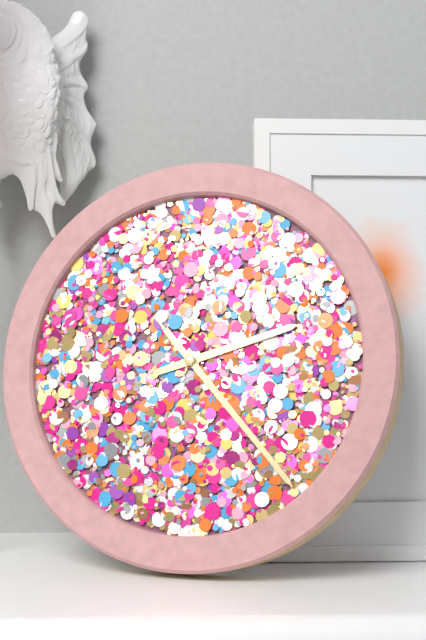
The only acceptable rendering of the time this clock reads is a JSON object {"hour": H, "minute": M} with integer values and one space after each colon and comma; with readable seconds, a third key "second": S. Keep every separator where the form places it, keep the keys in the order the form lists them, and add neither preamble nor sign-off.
{"hour": 2, "minute": 23, "second": 23}
